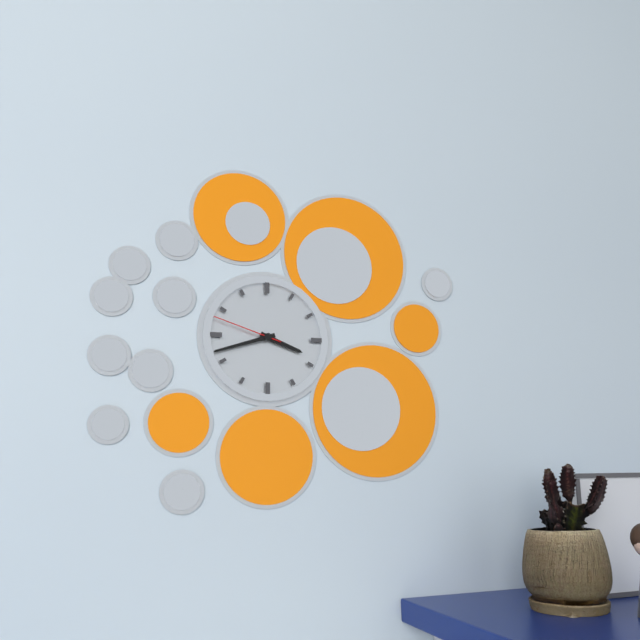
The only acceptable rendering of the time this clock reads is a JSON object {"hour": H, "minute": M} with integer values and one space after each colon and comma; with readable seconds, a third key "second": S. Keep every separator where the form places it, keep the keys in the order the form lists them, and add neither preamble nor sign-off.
{"hour": 3, "minute": 42, "second": 48}
